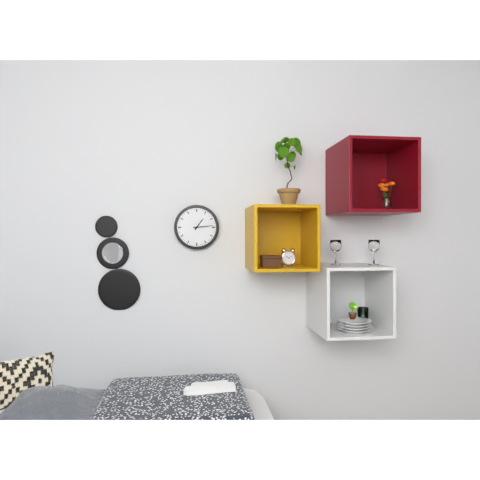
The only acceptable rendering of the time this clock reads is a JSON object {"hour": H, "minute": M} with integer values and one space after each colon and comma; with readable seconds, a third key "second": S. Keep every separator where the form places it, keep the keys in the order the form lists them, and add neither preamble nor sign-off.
{"hour": 1, "minute": 14}
